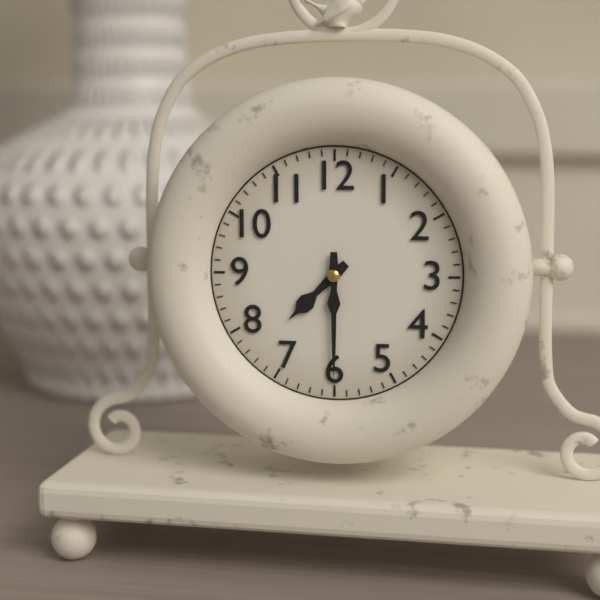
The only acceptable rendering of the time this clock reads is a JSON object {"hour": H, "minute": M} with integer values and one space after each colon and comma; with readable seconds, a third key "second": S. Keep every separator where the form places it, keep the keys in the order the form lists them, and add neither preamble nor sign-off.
{"hour": 7, "minute": 30}
